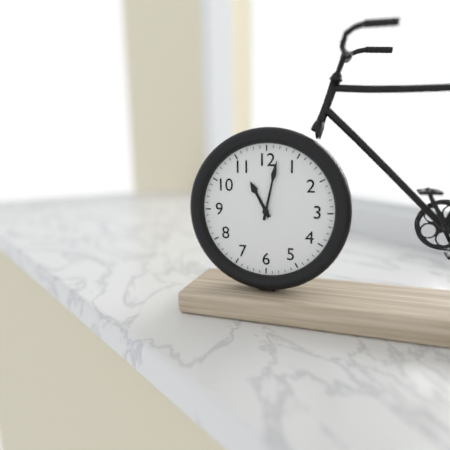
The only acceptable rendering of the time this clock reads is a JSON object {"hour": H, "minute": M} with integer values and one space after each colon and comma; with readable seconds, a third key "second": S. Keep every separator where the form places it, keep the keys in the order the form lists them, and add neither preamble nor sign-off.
{"hour": 11, "minute": 2}
